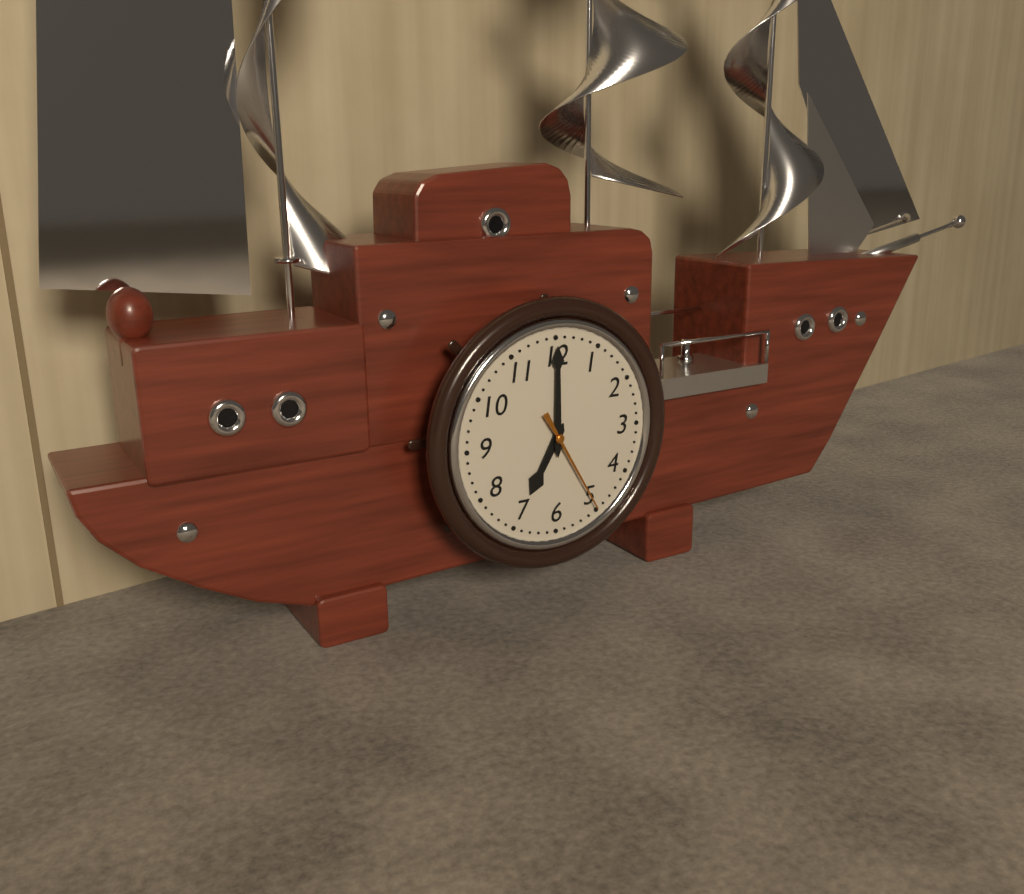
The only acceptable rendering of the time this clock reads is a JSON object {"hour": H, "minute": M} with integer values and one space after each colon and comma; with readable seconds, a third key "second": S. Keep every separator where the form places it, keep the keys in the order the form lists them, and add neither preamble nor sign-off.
{"hour": 7, "minute": 0, "second": 25}
